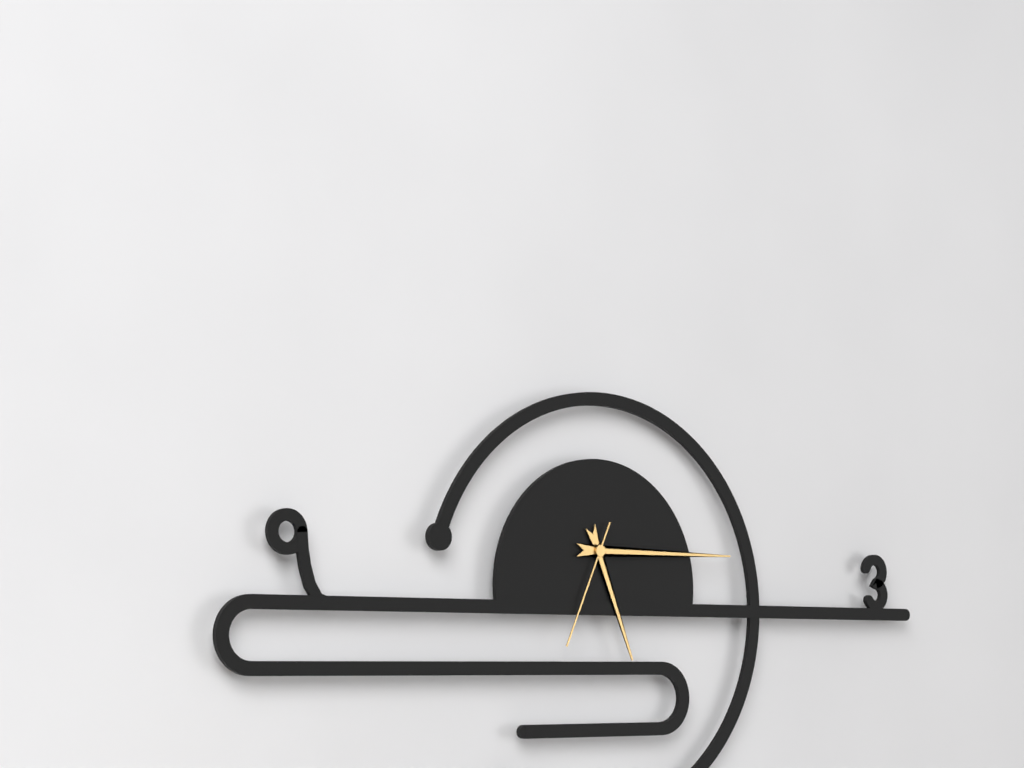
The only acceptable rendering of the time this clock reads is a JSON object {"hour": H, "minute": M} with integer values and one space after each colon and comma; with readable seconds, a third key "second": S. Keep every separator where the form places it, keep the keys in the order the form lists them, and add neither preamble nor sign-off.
{"hour": 5, "minute": 15, "second": 34}
